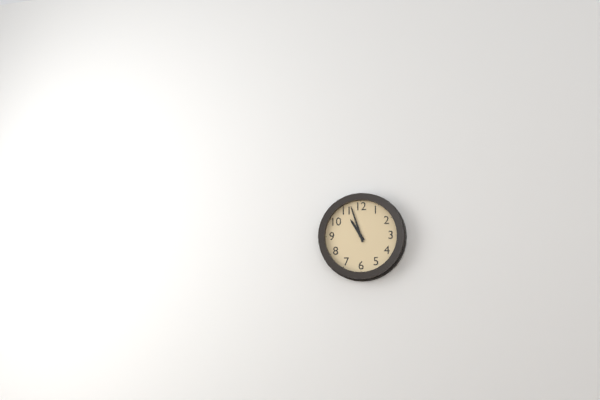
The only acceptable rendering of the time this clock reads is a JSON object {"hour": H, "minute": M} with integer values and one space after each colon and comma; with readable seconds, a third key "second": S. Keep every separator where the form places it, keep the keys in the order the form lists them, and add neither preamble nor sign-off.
{"hour": 10, "minute": 57}
